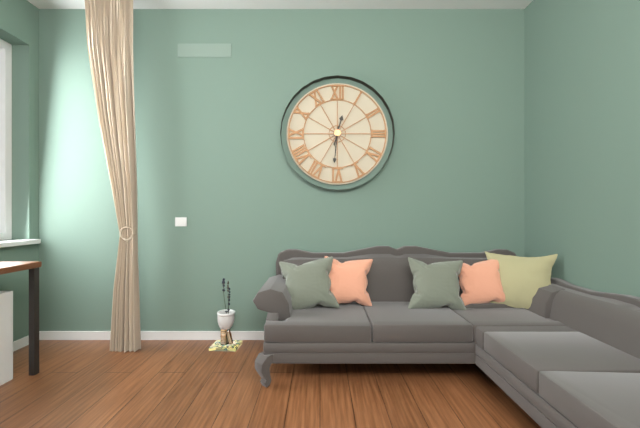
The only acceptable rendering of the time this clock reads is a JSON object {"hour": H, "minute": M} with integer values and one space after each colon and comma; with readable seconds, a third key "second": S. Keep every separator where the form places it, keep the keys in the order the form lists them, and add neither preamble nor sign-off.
{"hour": 12, "minute": 31}
